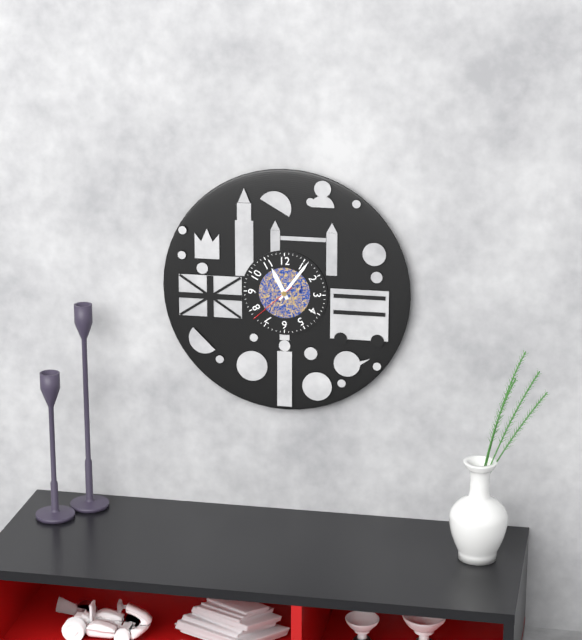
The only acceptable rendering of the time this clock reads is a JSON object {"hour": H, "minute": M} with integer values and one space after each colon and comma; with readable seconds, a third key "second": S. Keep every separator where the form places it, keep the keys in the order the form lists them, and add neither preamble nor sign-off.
{"hour": 11, "minute": 6, "second": 38}
